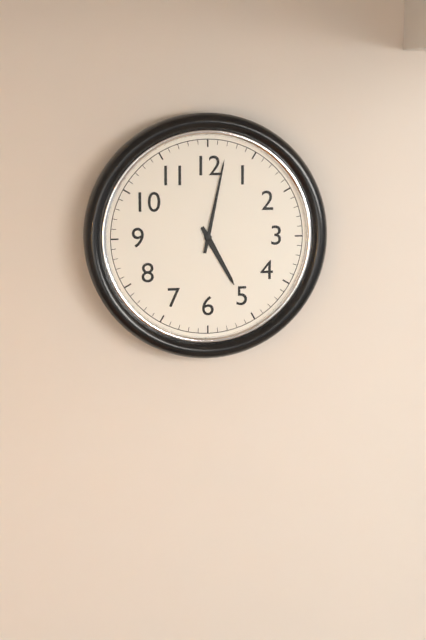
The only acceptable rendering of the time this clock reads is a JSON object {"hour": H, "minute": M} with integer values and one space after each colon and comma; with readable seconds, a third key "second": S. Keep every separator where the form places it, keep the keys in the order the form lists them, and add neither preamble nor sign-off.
{"hour": 5, "minute": 2}
